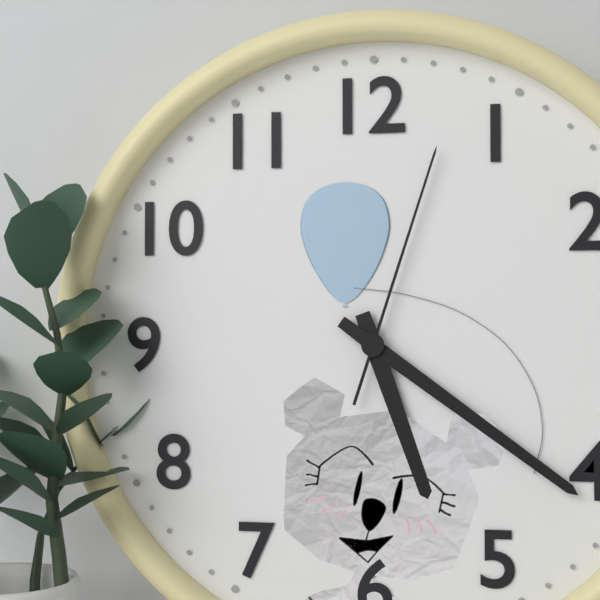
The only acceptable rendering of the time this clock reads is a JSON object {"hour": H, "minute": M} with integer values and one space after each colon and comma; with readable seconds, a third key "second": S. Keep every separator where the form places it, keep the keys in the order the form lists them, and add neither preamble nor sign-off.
{"hour": 5, "minute": 21, "second": 3}
